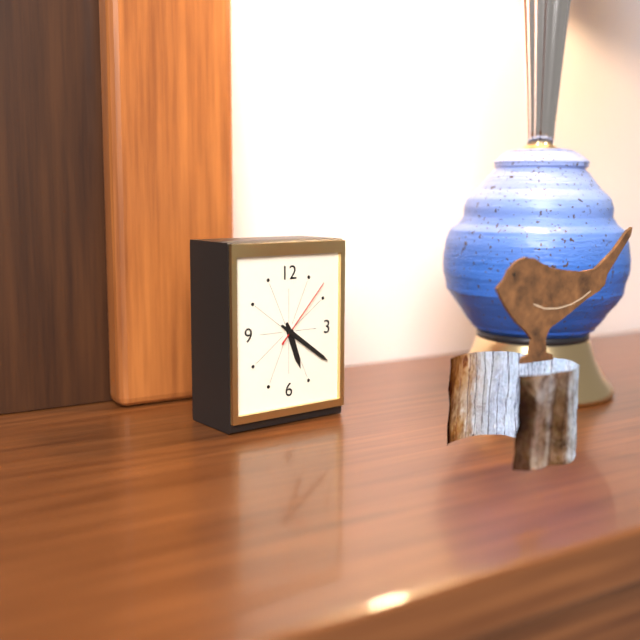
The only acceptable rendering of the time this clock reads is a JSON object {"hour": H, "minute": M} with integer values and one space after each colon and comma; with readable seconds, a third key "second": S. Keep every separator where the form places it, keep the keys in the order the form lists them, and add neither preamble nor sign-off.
{"hour": 5, "minute": 21, "second": 7}
